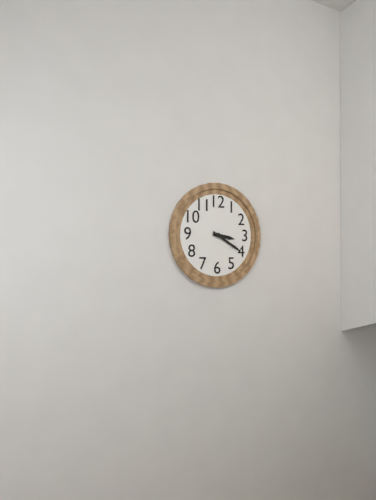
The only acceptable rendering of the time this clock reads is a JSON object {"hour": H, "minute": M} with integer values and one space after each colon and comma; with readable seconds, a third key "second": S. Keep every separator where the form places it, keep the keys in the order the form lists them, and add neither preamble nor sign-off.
{"hour": 3, "minute": 20}
